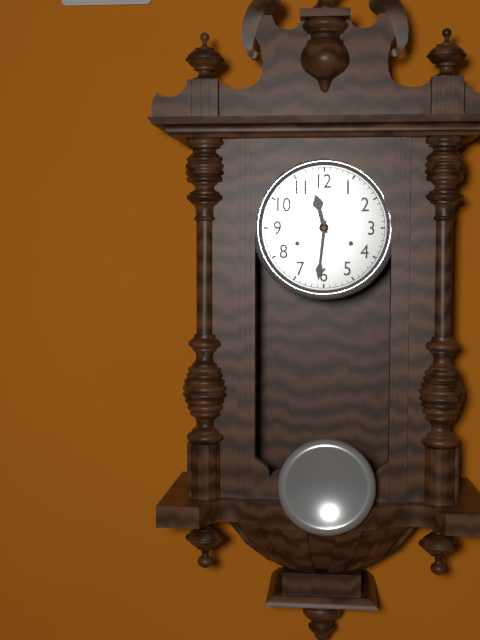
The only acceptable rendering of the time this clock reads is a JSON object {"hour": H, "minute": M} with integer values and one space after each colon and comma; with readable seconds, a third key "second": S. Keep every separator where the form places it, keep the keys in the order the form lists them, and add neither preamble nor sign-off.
{"hour": 11, "minute": 31}
